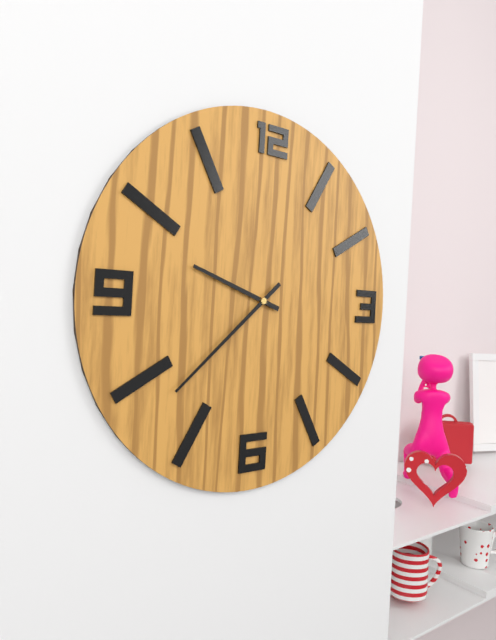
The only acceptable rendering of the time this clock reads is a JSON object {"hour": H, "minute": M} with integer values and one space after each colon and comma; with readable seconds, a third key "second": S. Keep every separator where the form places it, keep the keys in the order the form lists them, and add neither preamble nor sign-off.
{"hour": 9, "minute": 38}
